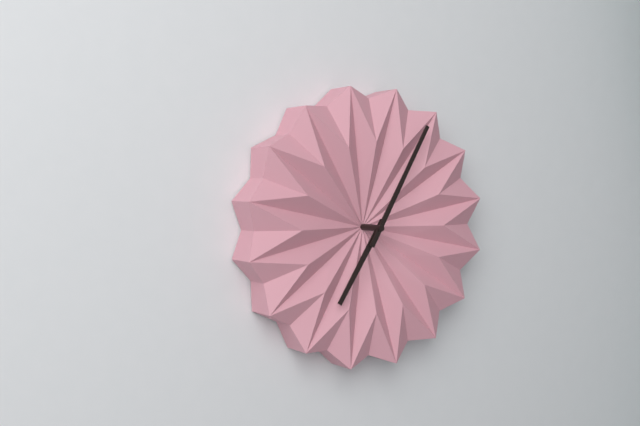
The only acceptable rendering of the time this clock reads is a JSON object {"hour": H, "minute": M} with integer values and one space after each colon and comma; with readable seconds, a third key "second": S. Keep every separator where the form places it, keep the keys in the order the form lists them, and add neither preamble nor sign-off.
{"hour": 7, "minute": 5}
